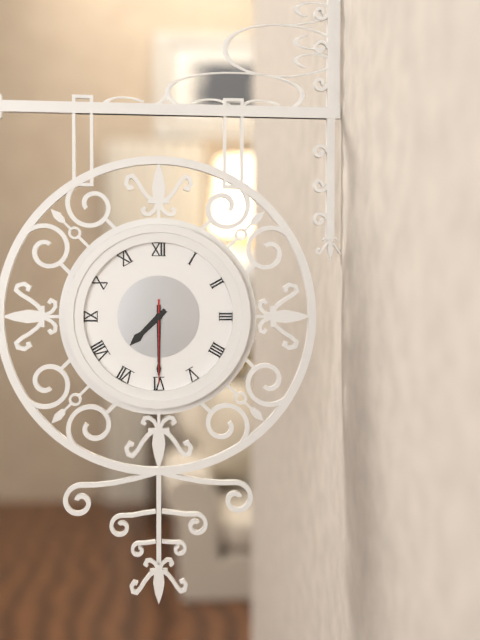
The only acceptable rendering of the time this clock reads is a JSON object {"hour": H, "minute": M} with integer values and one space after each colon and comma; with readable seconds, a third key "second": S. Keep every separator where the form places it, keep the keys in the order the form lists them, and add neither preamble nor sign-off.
{"hour": 7, "minute": 30, "second": 30}
